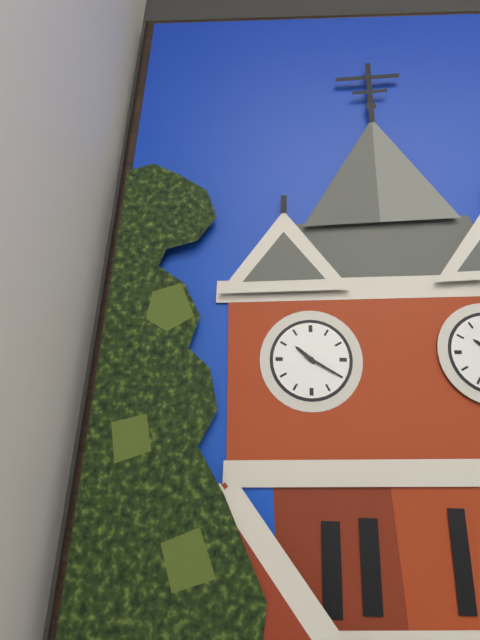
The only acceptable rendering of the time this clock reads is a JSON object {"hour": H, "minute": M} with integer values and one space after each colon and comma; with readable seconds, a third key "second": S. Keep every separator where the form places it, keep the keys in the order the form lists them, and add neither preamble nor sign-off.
{"hour": 10, "minute": 20}
